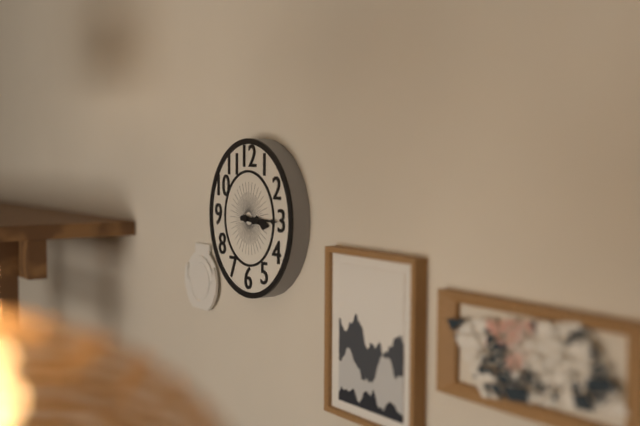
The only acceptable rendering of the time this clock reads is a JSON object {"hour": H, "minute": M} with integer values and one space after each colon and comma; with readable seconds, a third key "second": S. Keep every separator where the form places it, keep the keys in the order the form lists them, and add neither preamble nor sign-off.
{"hour": 3, "minute": 15}
